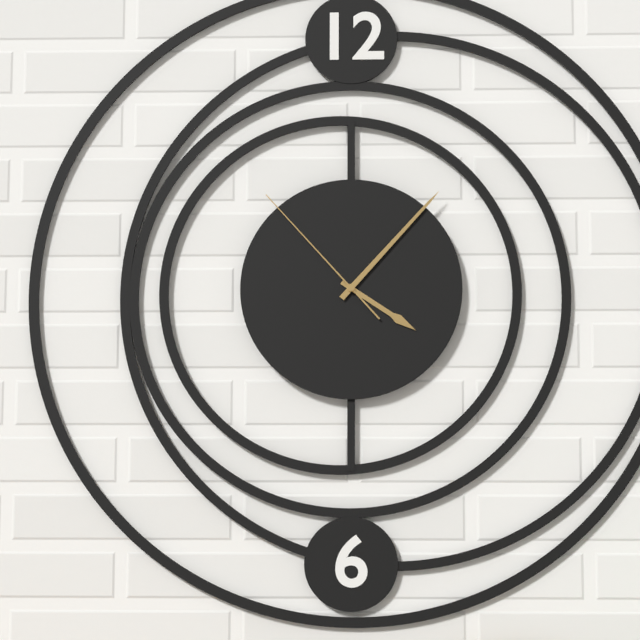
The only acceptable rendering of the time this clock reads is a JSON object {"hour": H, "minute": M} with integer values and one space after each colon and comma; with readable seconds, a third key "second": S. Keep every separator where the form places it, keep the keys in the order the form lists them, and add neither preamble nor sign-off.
{"hour": 4, "minute": 7, "second": 53}
